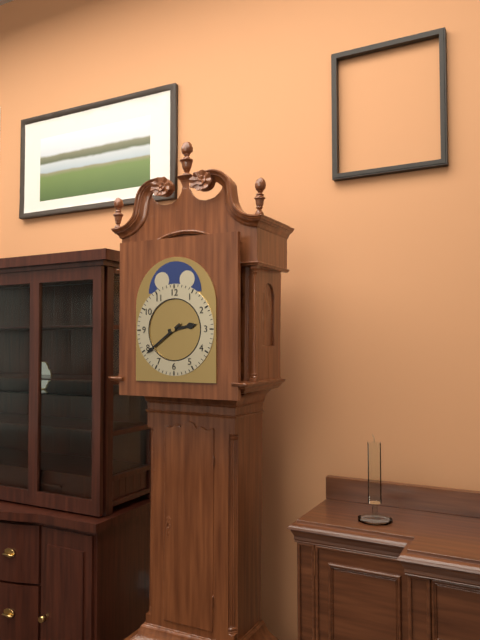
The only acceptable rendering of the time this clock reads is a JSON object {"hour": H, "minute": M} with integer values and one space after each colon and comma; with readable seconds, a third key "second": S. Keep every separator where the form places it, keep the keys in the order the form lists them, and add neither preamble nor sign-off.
{"hour": 2, "minute": 39}
